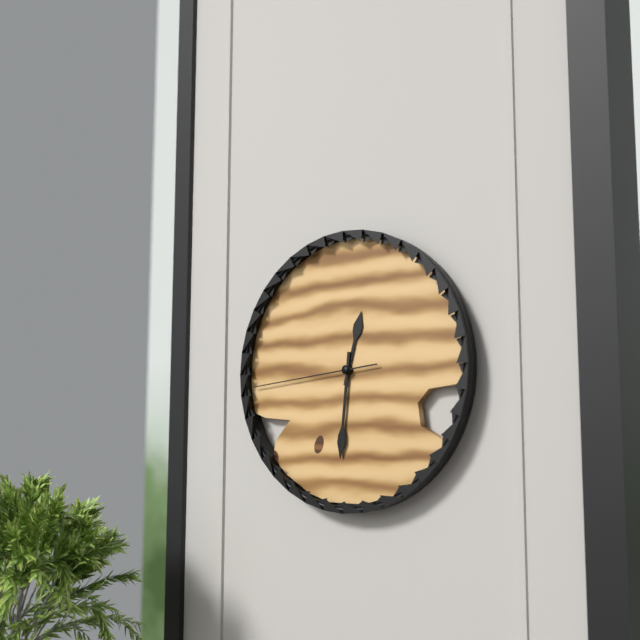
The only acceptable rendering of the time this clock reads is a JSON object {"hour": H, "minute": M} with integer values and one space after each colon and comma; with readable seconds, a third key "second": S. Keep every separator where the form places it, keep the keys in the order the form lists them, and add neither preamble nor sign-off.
{"hour": 12, "minute": 31, "second": 44}
